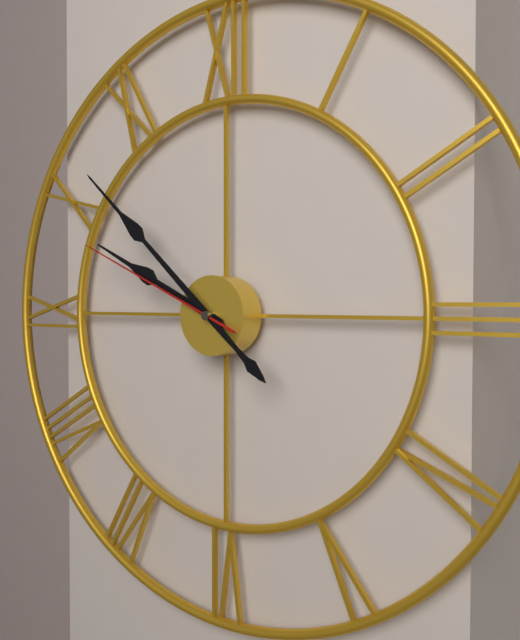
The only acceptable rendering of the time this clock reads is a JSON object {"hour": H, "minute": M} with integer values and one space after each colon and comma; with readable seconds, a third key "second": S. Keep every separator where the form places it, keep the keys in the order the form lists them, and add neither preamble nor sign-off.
{"hour": 9, "minute": 52, "second": 49}
